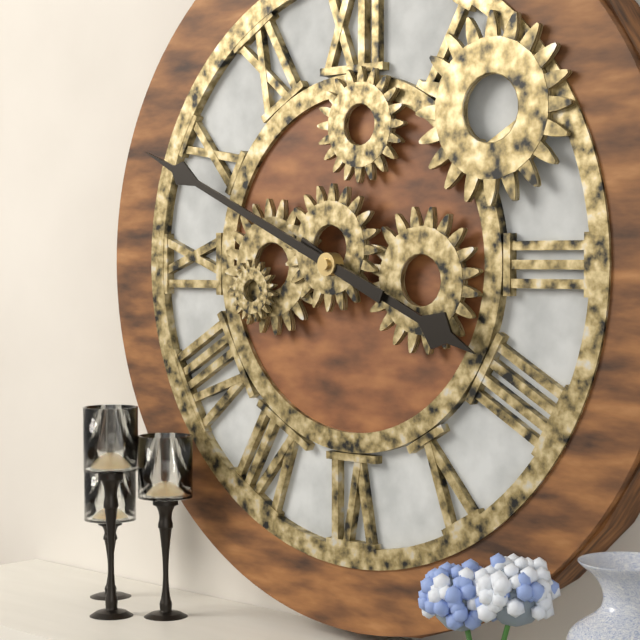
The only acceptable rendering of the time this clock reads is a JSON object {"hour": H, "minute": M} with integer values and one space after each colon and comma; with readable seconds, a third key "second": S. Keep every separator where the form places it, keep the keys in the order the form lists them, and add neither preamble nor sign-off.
{"hour": 3, "minute": 49}
